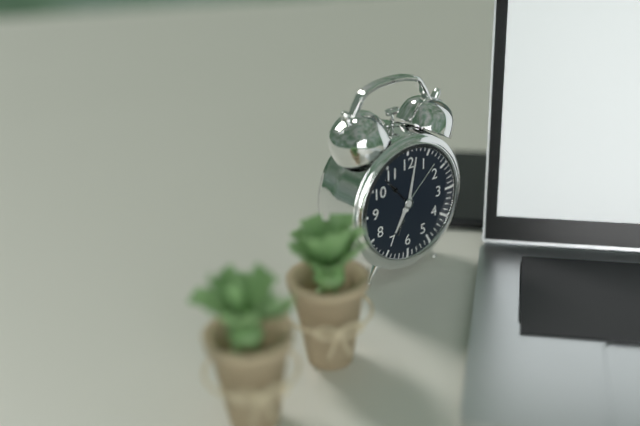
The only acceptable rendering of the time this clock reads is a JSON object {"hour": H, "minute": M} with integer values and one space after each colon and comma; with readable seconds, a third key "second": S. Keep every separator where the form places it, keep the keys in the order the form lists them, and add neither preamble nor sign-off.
{"hour": 7, "minute": 2}
